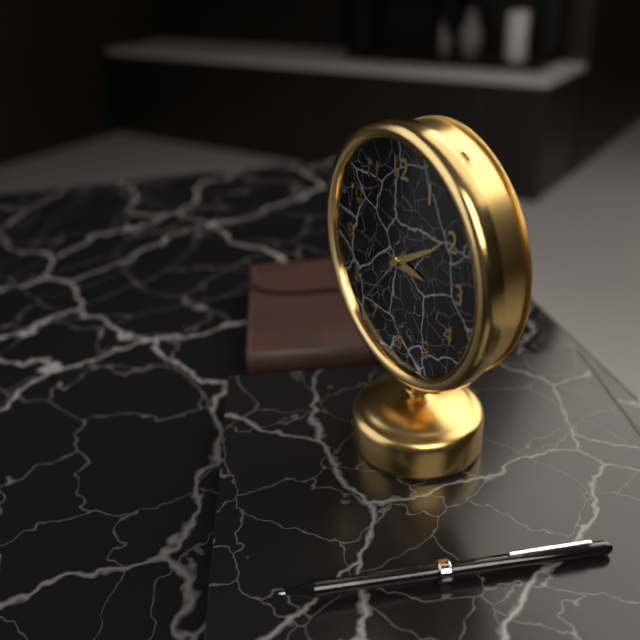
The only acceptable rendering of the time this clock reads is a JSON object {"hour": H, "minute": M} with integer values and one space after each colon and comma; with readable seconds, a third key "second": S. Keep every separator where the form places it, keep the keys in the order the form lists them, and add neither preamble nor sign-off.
{"hour": 3, "minute": 10, "second": 37}
